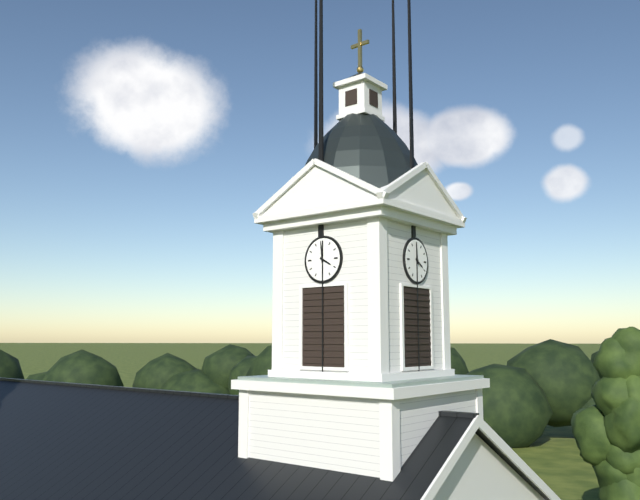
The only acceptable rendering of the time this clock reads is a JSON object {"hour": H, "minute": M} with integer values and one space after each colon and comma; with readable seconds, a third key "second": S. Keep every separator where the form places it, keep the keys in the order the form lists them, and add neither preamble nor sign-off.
{"hour": 3, "minute": 59}
